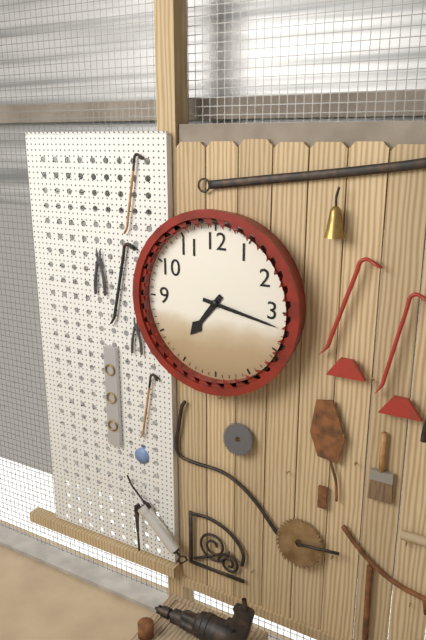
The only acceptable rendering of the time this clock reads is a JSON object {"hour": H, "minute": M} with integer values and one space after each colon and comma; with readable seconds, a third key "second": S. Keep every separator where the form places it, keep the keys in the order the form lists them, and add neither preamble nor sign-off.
{"hour": 7, "minute": 17}
